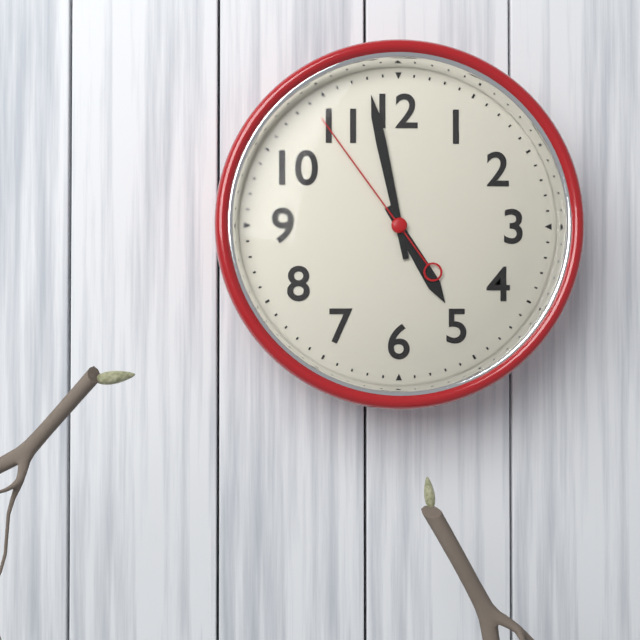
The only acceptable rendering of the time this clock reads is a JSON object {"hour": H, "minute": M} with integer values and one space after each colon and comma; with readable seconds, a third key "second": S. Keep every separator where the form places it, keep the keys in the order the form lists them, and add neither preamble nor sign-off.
{"hour": 4, "minute": 58, "second": 54}
